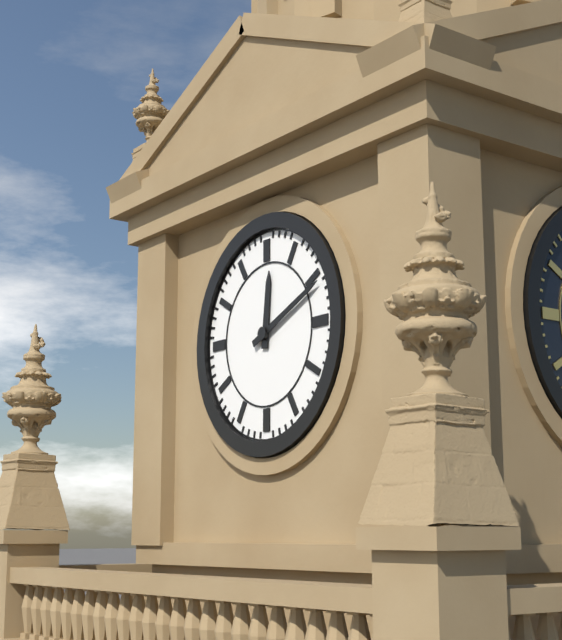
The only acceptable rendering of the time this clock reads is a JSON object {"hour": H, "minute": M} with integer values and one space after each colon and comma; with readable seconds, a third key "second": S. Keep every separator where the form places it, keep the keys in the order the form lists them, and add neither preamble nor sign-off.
{"hour": 12, "minute": 11}
